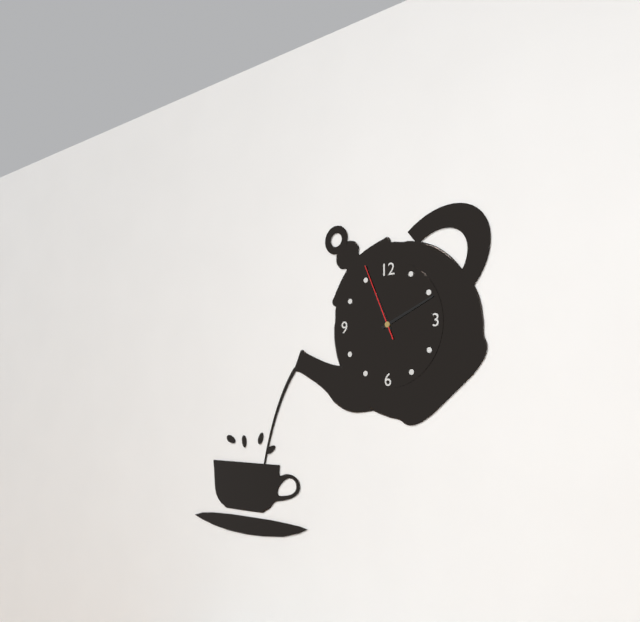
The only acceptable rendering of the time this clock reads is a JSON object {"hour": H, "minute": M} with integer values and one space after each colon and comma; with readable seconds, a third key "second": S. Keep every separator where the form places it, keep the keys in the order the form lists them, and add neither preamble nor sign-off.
{"hour": 11, "minute": 11, "second": 56}
